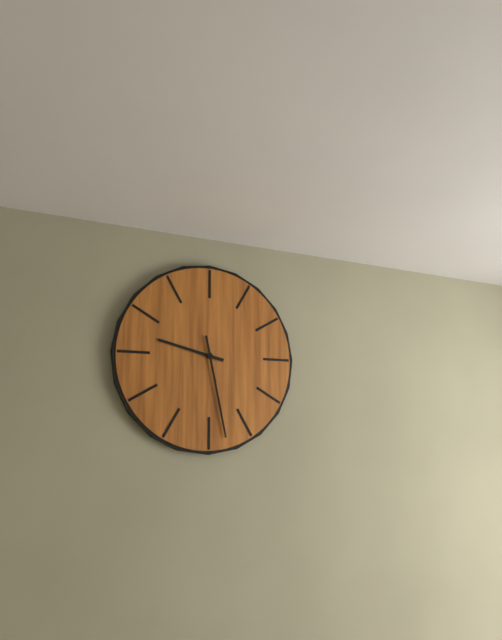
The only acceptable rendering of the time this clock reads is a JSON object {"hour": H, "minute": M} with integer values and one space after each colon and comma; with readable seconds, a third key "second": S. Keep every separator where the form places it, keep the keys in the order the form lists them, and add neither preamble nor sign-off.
{"hour": 9, "minute": 28}
